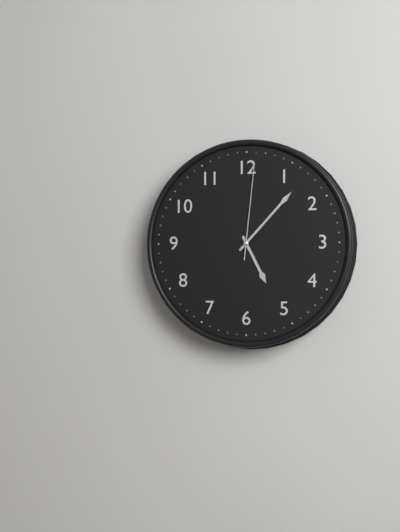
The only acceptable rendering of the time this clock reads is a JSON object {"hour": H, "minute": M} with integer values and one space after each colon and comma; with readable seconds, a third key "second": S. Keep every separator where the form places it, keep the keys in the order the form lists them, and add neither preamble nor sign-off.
{"hour": 5, "minute": 7, "second": 1}
